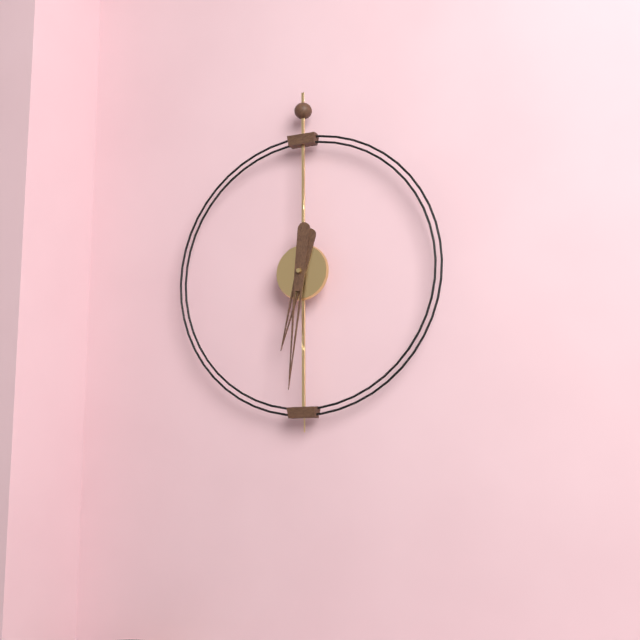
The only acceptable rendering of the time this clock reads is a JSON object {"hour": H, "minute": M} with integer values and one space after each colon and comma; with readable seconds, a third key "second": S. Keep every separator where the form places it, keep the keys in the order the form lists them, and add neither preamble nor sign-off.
{"hour": 6, "minute": 31}
